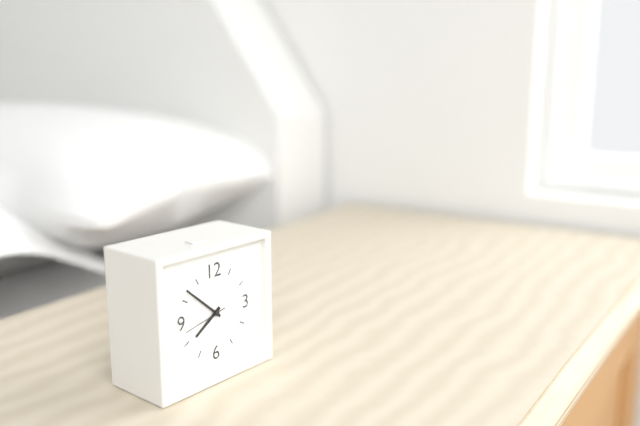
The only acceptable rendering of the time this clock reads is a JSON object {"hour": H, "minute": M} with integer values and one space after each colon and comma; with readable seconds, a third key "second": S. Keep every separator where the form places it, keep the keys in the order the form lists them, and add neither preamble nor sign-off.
{"hour": 7, "minute": 52}
